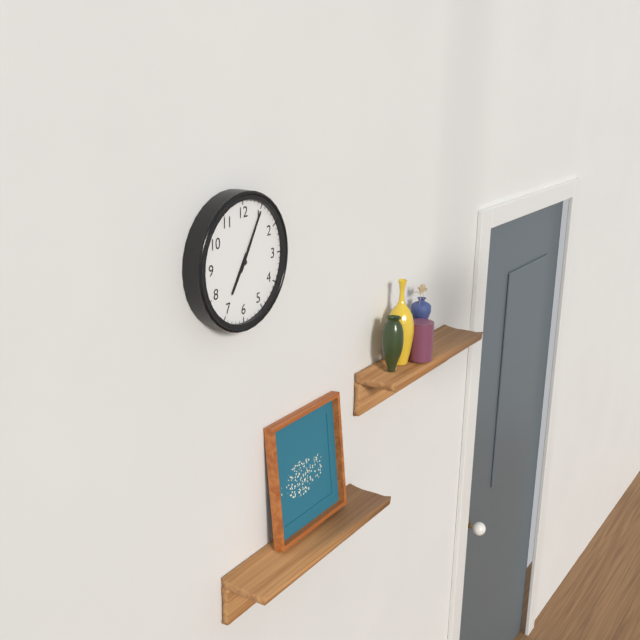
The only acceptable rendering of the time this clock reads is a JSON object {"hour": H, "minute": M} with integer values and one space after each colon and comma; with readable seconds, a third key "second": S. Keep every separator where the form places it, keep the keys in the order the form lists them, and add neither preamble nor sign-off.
{"hour": 7, "minute": 5}
